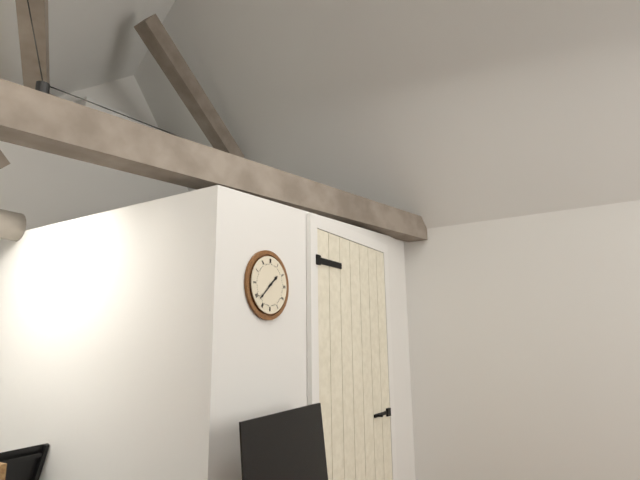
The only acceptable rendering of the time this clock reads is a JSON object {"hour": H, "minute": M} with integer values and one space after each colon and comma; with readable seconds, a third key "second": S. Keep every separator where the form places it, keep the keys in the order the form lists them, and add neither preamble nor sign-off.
{"hour": 1, "minute": 38}
